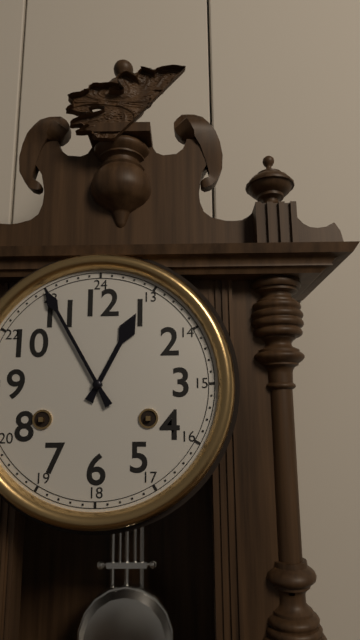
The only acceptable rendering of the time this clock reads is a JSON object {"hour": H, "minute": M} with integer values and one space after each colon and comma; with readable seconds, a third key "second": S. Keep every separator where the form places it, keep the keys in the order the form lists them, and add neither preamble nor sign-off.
{"hour": 12, "minute": 55}
